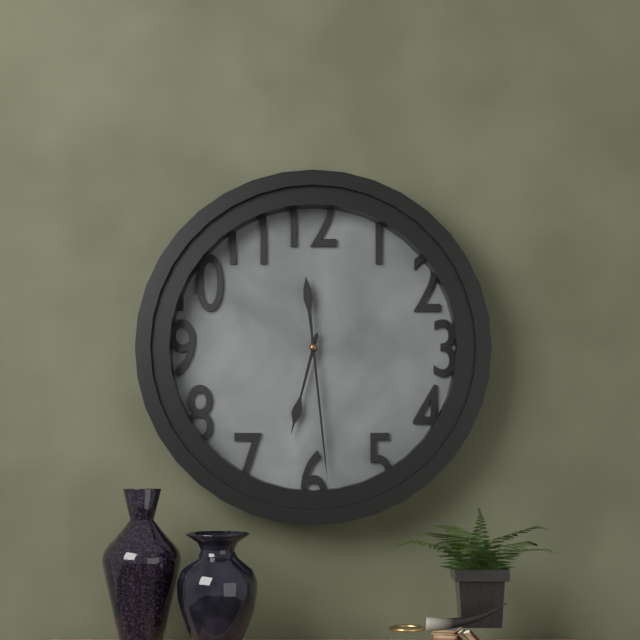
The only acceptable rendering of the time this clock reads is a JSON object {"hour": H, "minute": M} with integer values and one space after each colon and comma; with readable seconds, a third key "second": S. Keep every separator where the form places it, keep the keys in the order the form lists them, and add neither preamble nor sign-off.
{"hour": 6, "minute": 29}
